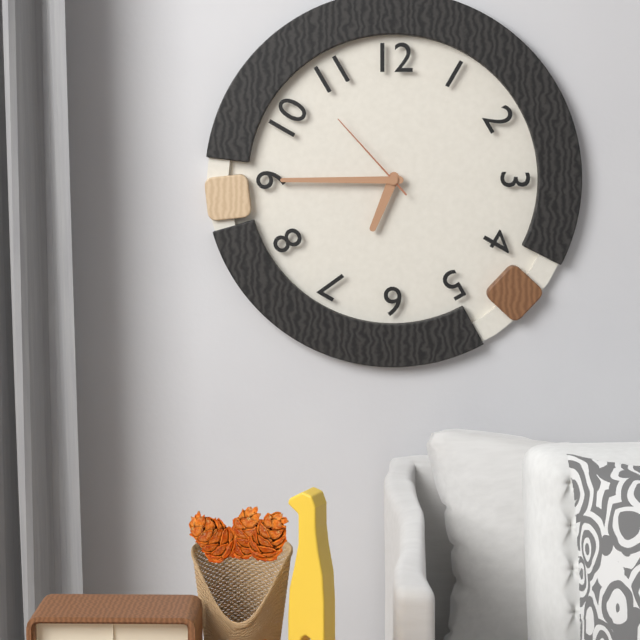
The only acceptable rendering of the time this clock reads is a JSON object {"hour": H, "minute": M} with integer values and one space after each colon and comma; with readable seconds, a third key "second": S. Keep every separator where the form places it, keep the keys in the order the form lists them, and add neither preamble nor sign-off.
{"hour": 6, "minute": 45, "second": 53}
